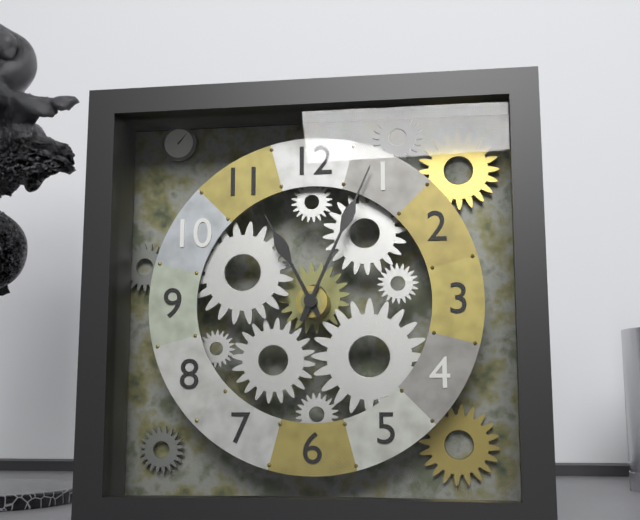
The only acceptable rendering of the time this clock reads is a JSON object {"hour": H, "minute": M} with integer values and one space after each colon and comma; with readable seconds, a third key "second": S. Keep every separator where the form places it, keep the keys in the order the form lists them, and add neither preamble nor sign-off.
{"hour": 11, "minute": 4}
